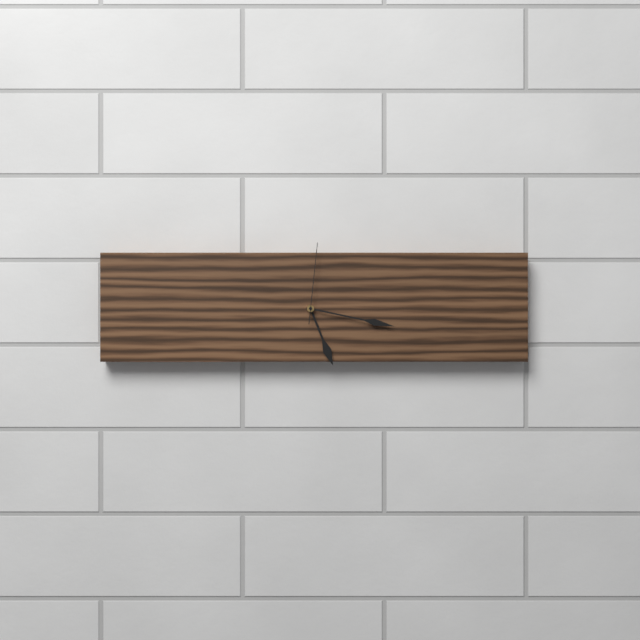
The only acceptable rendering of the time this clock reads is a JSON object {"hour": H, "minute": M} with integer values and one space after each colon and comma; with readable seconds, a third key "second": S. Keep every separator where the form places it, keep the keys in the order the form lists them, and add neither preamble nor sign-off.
{"hour": 5, "minute": 17, "second": 1}
